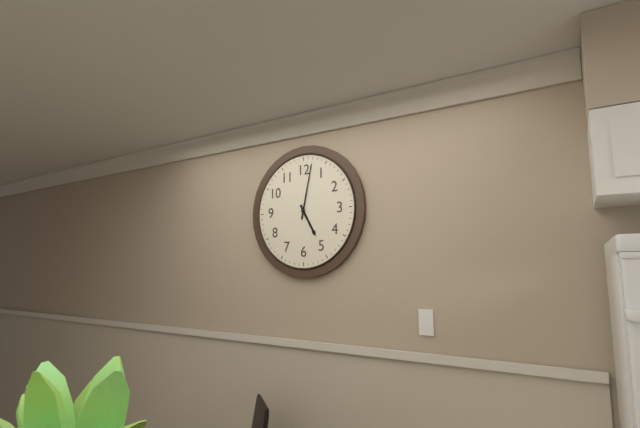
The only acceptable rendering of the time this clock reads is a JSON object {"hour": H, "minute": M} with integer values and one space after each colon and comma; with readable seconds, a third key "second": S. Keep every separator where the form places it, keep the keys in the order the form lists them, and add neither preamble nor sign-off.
{"hour": 5, "minute": 2}
